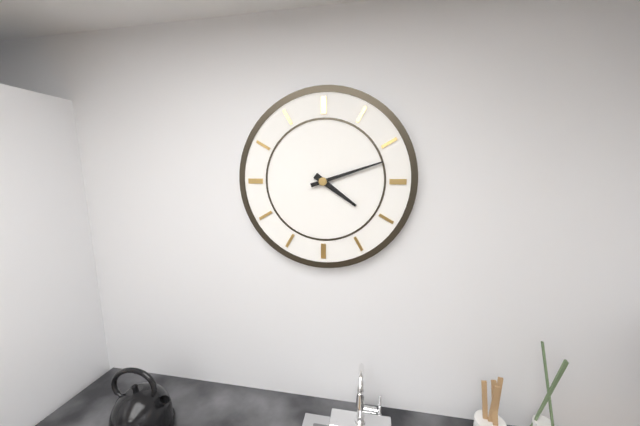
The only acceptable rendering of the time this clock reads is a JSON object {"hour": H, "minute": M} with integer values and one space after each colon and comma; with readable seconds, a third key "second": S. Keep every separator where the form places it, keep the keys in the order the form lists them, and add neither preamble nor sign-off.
{"hour": 4, "minute": 12}
